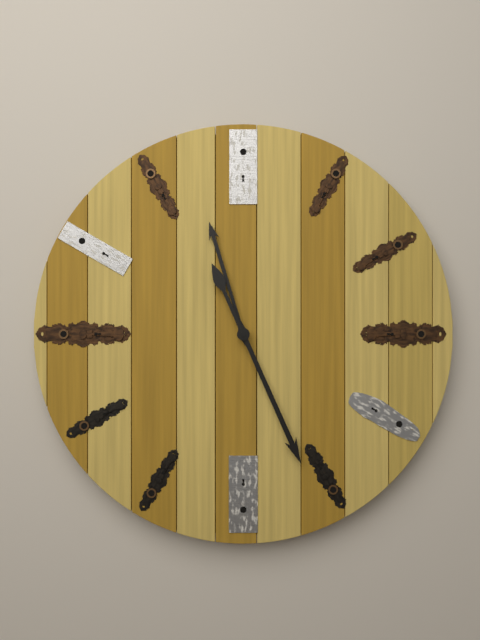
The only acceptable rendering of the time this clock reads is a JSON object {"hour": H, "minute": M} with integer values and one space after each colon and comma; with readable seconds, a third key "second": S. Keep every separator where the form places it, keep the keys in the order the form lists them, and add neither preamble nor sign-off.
{"hour": 11, "minute": 26}
